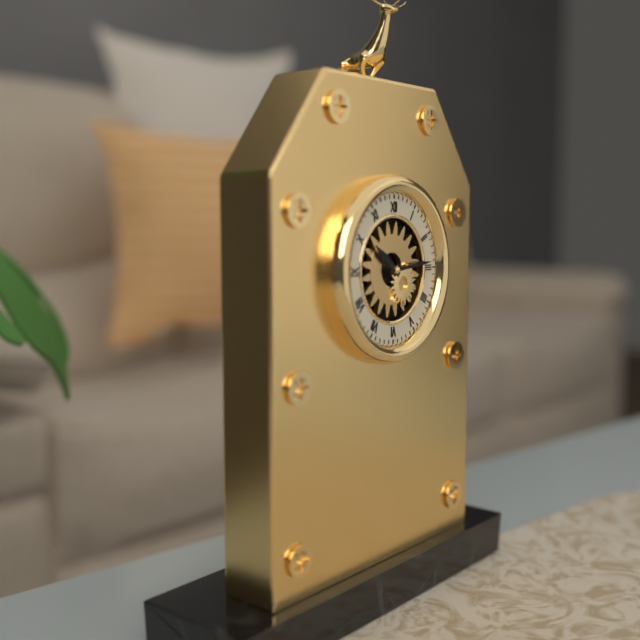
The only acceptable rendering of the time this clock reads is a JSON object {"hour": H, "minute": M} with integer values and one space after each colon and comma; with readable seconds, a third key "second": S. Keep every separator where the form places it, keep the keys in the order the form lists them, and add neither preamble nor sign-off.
{"hour": 10, "minute": 14}
